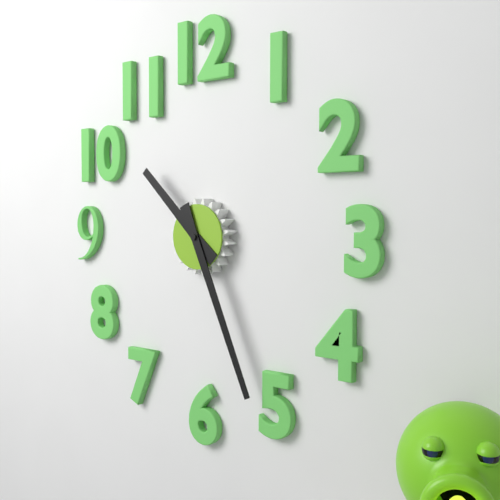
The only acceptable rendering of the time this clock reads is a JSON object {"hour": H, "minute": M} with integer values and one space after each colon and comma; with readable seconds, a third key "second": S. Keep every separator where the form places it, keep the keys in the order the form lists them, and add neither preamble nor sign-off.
{"hour": 10, "minute": 26}
